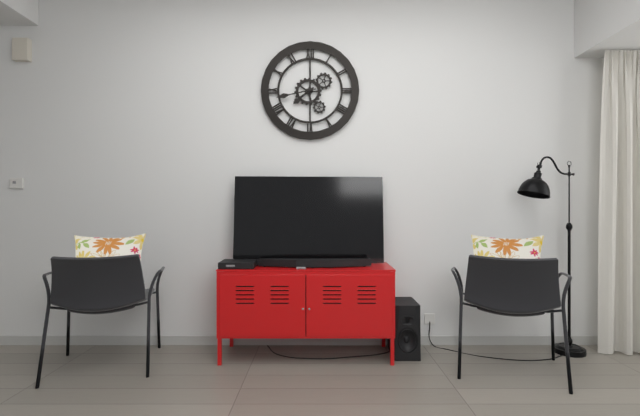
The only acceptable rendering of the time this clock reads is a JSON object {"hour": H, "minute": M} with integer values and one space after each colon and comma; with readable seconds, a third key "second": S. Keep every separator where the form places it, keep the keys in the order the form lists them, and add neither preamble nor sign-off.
{"hour": 7, "minute": 43}
